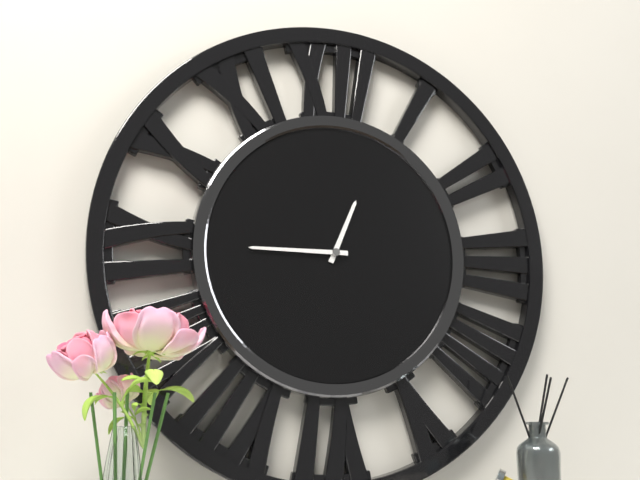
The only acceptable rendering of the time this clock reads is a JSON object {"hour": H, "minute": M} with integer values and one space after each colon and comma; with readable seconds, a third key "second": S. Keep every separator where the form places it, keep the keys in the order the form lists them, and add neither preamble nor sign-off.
{"hour": 12, "minute": 45}
